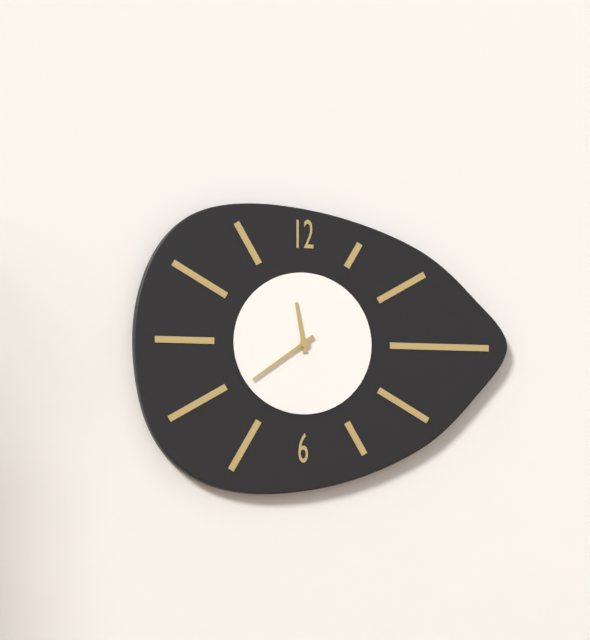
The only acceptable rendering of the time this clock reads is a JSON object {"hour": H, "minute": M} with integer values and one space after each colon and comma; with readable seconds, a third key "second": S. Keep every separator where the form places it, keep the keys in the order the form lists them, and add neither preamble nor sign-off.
{"hour": 11, "minute": 39}
